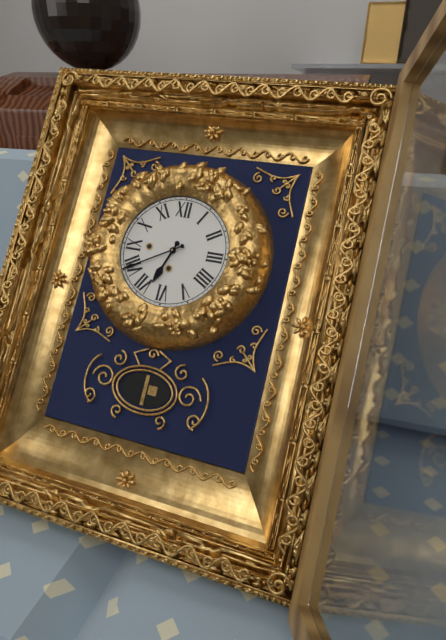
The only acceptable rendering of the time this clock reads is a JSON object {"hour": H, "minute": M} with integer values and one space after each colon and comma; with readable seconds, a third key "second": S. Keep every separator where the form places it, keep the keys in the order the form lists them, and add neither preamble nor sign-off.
{"hour": 6, "minute": 40}
